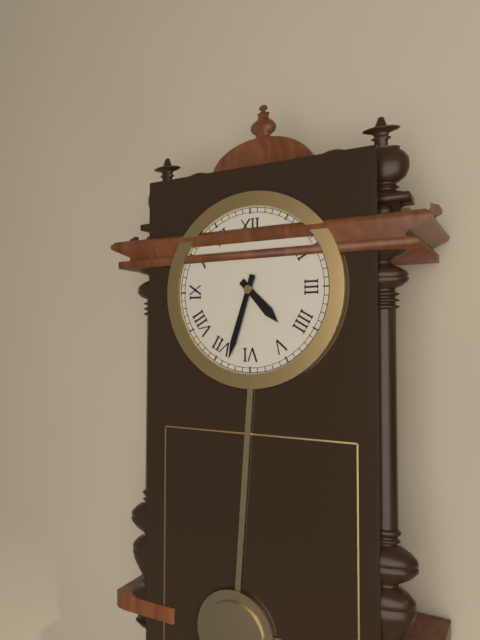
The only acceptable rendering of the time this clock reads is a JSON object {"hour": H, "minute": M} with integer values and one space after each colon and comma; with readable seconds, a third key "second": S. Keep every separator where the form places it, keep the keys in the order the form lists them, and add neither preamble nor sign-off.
{"hour": 4, "minute": 33}
